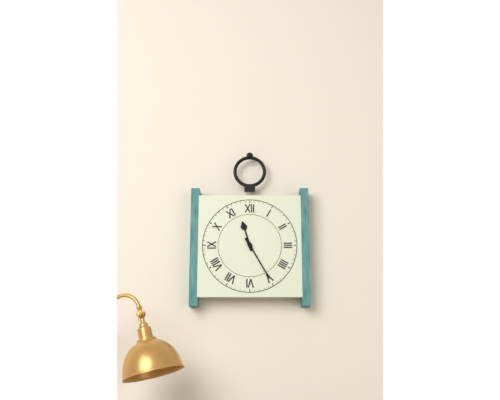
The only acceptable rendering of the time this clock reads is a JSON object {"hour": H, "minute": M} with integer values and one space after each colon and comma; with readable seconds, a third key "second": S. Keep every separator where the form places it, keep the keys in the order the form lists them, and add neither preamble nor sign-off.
{"hour": 11, "minute": 25}
